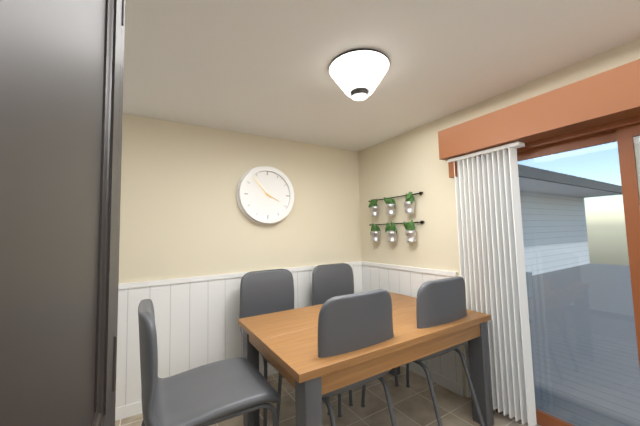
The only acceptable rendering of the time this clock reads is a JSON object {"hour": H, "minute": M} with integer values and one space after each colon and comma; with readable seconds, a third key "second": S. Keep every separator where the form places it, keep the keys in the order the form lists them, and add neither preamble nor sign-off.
{"hour": 3, "minute": 53}
